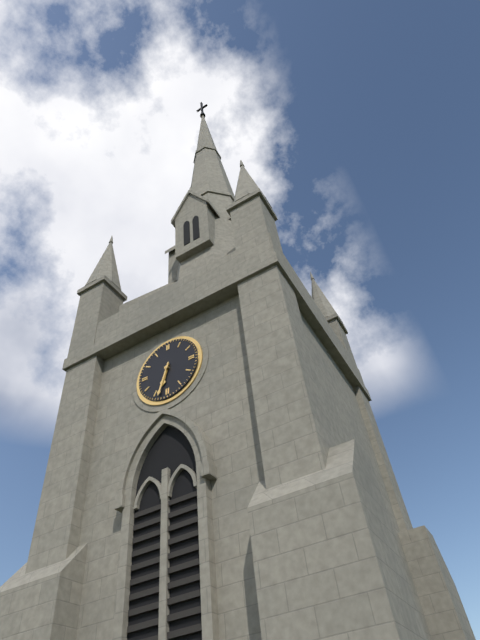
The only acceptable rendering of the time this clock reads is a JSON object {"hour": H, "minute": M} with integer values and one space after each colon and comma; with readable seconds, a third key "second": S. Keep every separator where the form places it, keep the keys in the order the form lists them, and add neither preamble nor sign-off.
{"hour": 6, "minute": 33}
